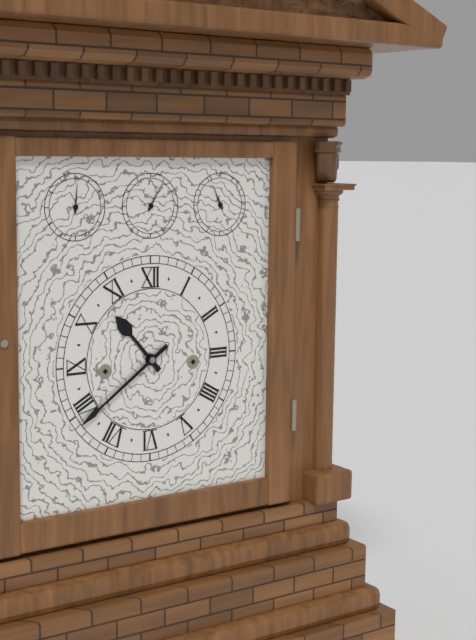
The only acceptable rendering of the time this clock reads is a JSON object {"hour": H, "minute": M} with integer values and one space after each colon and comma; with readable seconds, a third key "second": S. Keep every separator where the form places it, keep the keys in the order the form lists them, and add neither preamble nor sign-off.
{"hour": 10, "minute": 39}
